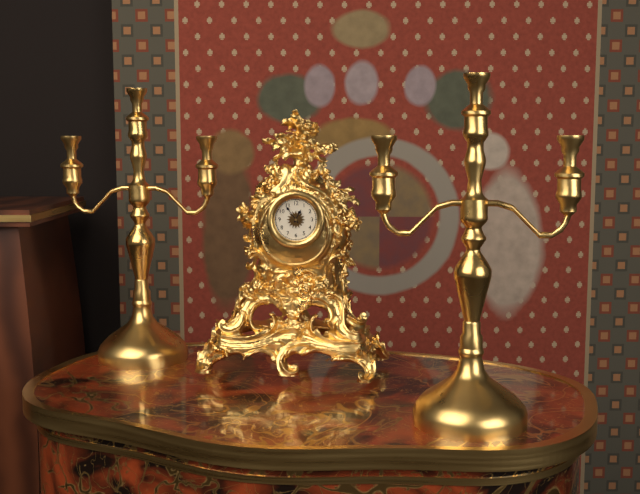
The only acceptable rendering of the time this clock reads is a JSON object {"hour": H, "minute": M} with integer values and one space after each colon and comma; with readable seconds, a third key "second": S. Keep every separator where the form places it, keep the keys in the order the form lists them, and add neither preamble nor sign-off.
{"hour": 12, "minute": 54}
